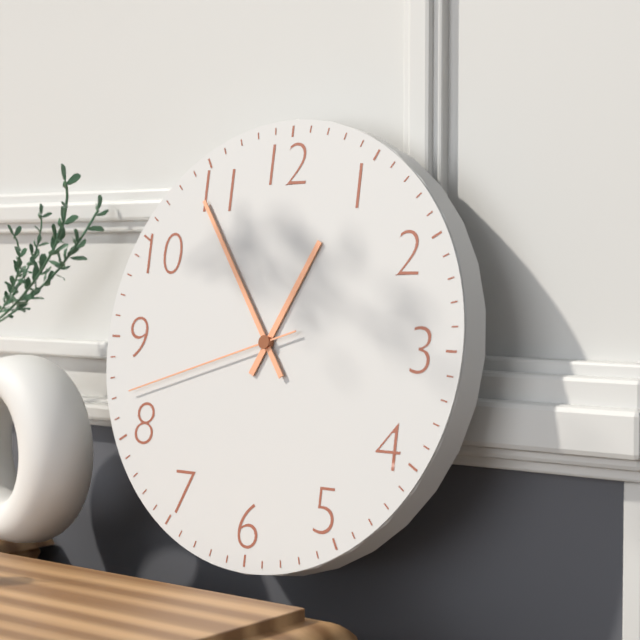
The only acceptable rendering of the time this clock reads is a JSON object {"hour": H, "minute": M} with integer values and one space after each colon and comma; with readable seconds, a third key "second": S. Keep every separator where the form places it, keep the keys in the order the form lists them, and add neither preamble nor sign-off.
{"hour": 12, "minute": 54, "second": 42}
